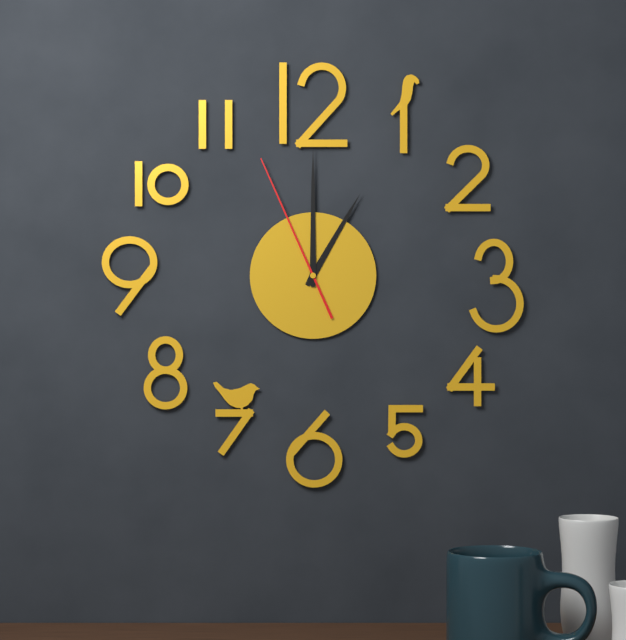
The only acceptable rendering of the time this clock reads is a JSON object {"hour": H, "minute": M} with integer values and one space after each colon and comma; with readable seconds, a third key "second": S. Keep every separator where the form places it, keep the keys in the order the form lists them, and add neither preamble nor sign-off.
{"hour": 1, "minute": 0, "second": 56}
